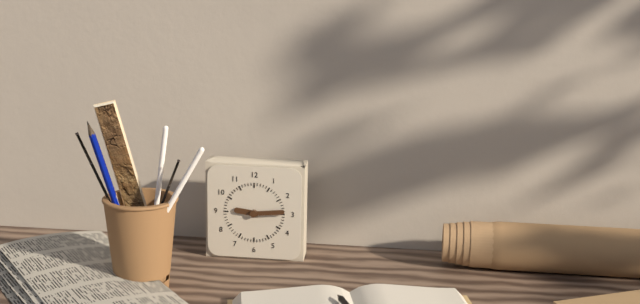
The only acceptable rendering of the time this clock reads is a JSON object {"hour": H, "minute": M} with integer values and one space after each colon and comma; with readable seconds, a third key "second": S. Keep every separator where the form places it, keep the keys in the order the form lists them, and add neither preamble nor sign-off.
{"hour": 9, "minute": 14}
